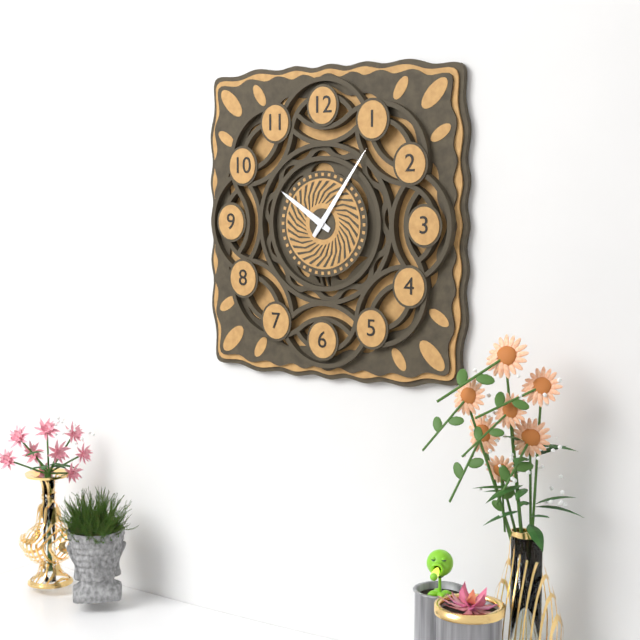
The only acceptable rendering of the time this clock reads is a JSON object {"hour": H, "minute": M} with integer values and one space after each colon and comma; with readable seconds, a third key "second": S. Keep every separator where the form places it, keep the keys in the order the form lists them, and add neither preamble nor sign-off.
{"hour": 10, "minute": 6}
